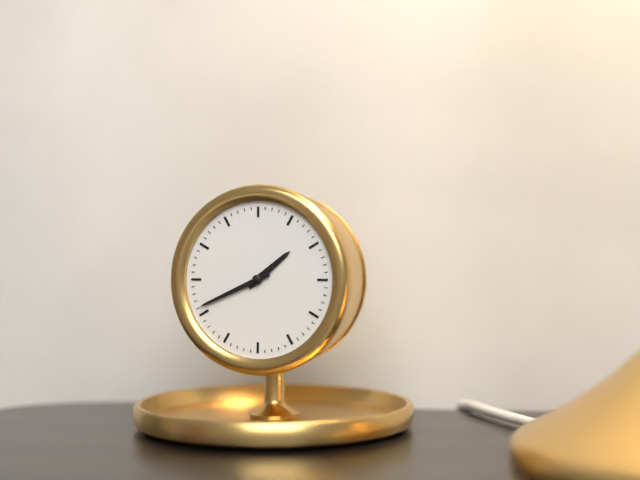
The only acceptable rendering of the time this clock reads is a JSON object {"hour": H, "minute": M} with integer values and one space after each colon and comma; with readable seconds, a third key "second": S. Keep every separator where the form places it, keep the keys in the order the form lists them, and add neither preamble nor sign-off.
{"hour": 1, "minute": 41}
